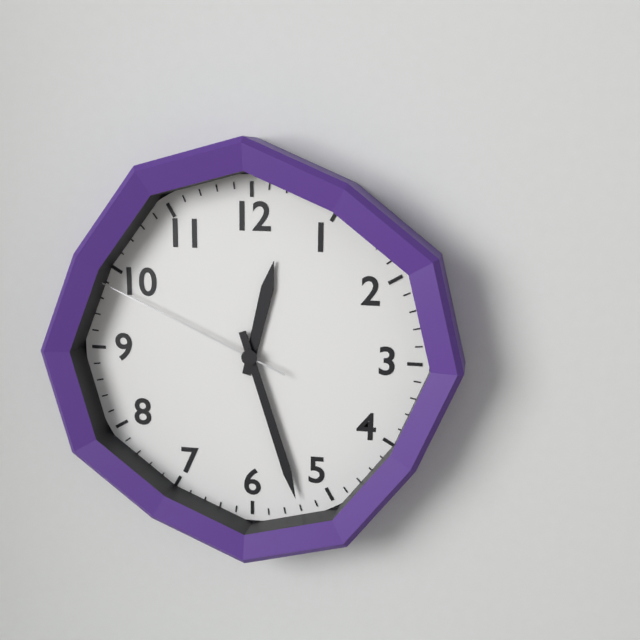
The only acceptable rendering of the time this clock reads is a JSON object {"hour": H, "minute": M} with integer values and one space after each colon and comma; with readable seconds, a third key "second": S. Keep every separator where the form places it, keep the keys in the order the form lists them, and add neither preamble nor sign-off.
{"hour": 12, "minute": 27, "second": 49}
